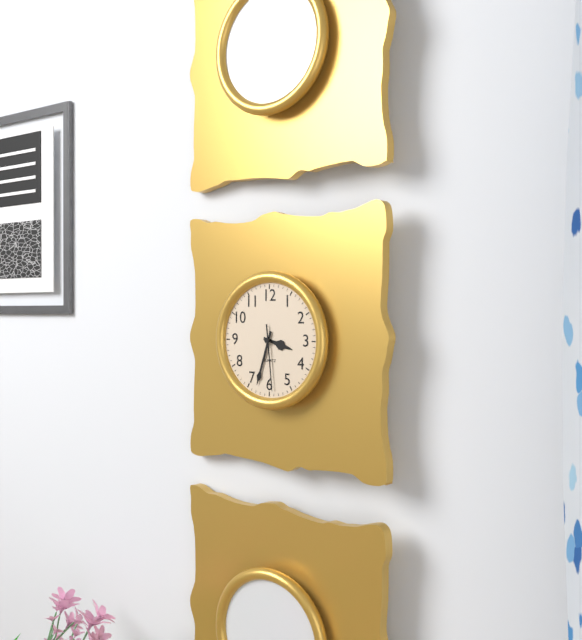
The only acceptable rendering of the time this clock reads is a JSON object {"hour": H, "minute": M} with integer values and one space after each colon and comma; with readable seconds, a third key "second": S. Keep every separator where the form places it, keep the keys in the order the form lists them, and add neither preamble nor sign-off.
{"hour": 3, "minute": 33, "second": 29}
